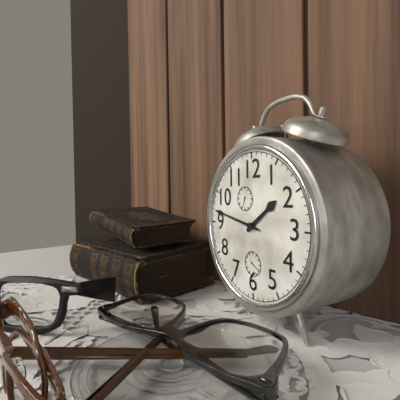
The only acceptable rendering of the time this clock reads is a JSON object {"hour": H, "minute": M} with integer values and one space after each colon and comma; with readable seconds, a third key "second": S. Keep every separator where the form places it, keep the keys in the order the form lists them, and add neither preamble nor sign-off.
{"hour": 1, "minute": 47}
